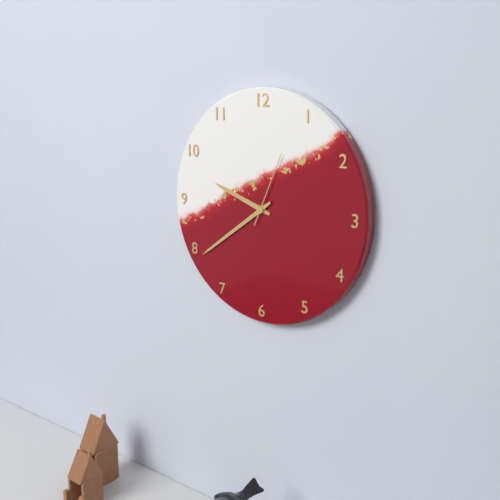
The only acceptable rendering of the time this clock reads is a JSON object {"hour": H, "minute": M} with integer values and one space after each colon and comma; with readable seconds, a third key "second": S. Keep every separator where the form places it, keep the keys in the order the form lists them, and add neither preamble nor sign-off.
{"hour": 9, "minute": 39, "second": 4}
